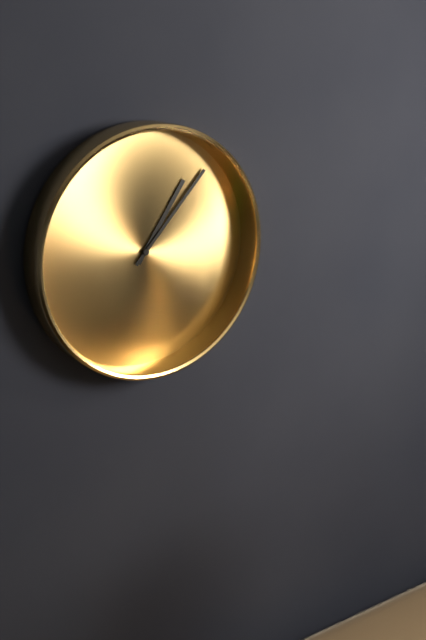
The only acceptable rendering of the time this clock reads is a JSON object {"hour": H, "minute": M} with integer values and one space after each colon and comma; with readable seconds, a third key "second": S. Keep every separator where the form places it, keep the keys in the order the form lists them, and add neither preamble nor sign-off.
{"hour": 1, "minute": 7}
